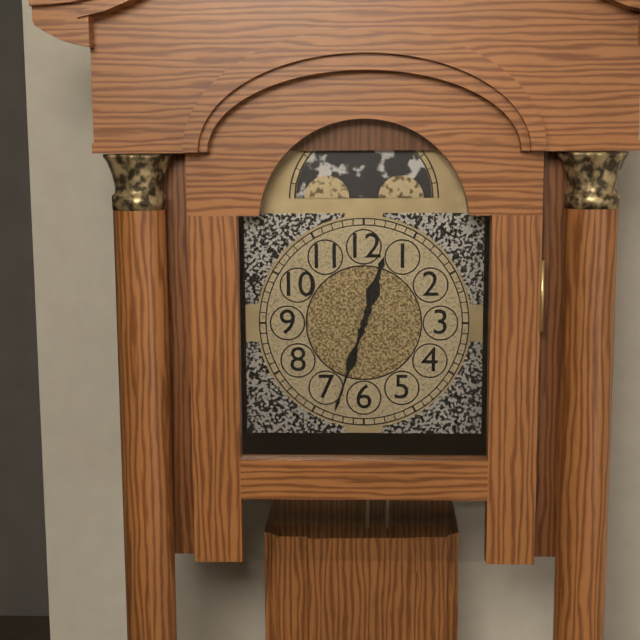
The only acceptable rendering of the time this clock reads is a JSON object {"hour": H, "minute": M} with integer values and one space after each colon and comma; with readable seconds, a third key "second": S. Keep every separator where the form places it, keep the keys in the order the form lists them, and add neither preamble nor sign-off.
{"hour": 12, "minute": 33}
